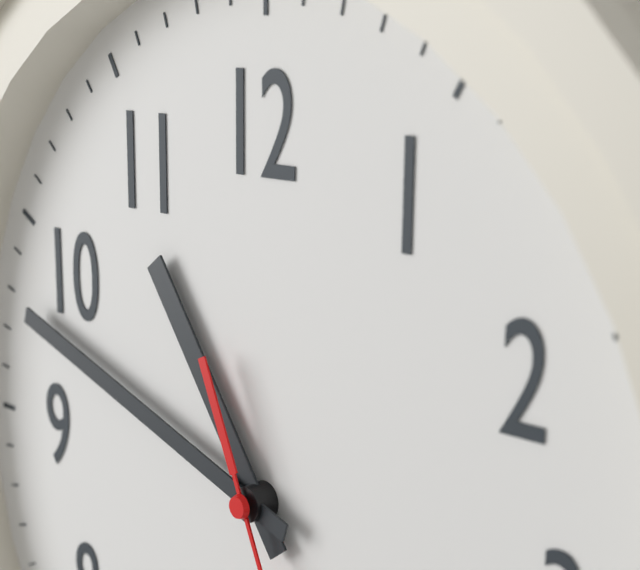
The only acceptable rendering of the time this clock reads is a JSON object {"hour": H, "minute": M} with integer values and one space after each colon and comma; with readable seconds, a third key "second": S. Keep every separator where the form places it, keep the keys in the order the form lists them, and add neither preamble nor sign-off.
{"hour": 10, "minute": 48}
